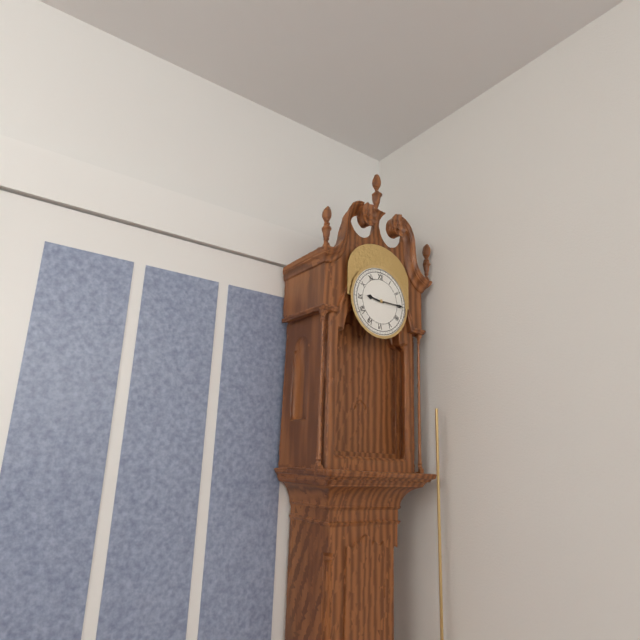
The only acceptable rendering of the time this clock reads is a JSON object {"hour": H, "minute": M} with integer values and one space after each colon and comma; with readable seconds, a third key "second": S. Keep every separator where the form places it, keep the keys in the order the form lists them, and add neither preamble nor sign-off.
{"hour": 9, "minute": 15}
